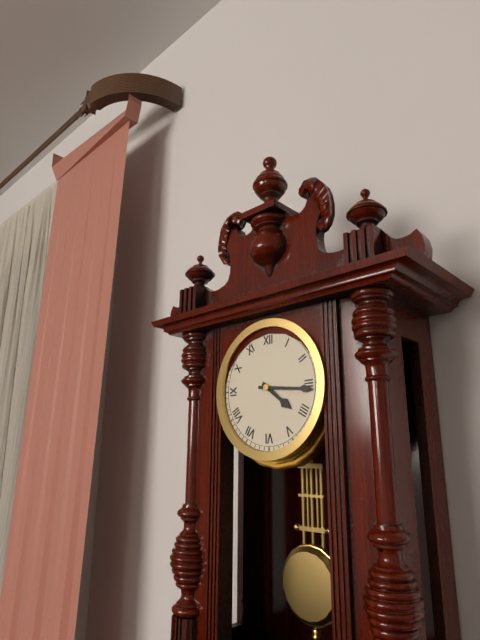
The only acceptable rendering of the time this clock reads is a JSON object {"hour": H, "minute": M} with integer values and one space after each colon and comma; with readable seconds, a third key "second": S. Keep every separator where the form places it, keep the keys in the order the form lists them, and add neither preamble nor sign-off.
{"hour": 4, "minute": 16}
